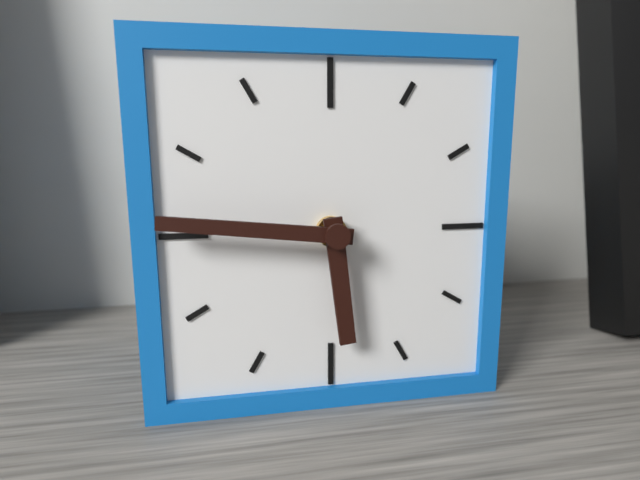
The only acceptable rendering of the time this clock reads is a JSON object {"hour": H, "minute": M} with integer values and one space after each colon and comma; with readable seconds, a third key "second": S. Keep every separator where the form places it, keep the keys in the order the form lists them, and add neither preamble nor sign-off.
{"hour": 5, "minute": 46}
